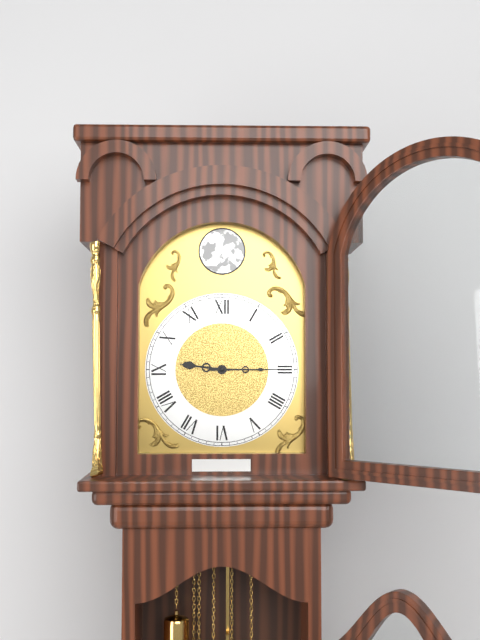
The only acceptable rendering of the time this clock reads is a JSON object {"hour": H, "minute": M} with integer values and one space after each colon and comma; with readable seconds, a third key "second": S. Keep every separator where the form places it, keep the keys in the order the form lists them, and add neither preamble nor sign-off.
{"hour": 9, "minute": 15}
